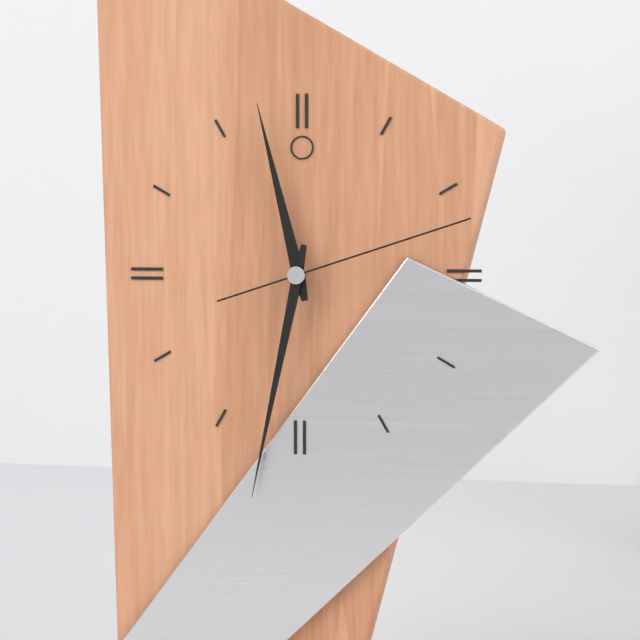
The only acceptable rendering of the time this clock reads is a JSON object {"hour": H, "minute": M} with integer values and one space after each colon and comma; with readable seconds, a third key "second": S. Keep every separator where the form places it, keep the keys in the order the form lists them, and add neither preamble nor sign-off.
{"hour": 11, "minute": 32, "second": 12}
